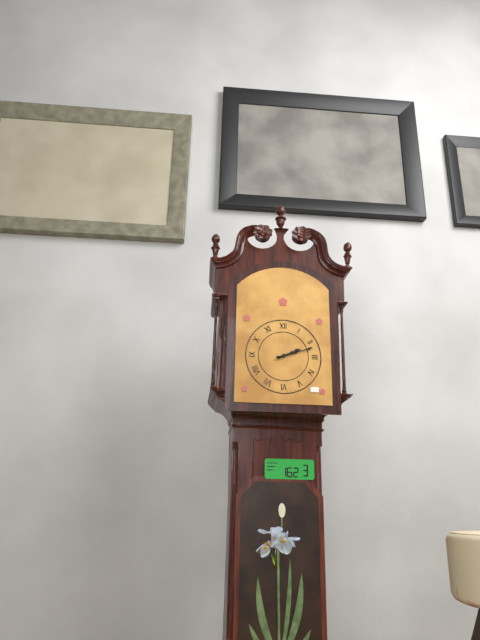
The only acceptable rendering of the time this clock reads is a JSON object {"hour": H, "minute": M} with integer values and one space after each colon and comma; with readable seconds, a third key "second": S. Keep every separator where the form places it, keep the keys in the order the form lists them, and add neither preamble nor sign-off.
{"hour": 2, "minute": 12}
